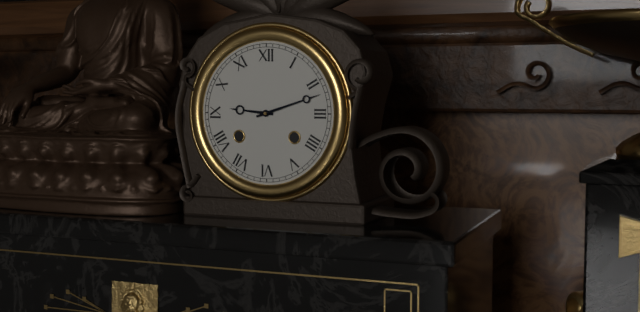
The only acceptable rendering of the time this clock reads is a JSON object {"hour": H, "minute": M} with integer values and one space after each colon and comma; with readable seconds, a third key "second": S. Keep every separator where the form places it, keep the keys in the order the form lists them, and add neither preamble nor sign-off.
{"hour": 9, "minute": 12}
